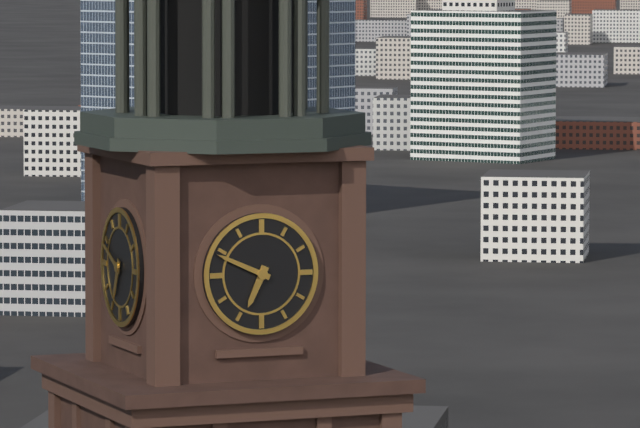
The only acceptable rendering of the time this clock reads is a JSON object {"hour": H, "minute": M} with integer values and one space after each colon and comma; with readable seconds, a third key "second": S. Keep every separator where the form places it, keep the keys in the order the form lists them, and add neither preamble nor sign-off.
{"hour": 6, "minute": 49}
